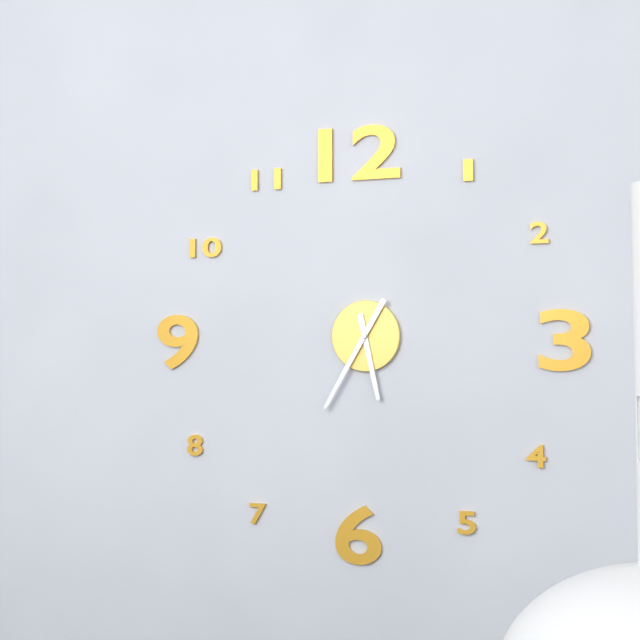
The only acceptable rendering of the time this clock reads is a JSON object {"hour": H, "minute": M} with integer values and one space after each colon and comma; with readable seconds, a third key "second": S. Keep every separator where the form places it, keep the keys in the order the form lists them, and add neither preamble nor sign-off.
{"hour": 5, "minute": 35}
